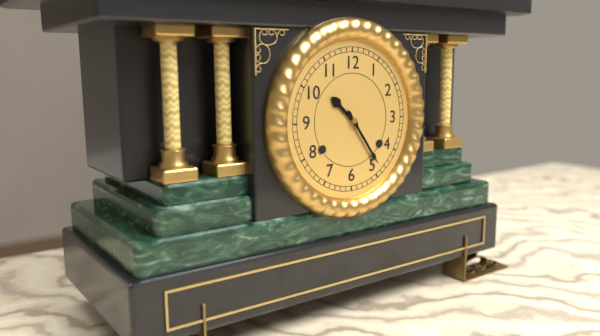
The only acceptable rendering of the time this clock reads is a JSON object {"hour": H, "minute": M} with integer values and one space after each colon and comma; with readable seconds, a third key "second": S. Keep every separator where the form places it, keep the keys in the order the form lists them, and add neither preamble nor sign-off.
{"hour": 10, "minute": 24}
